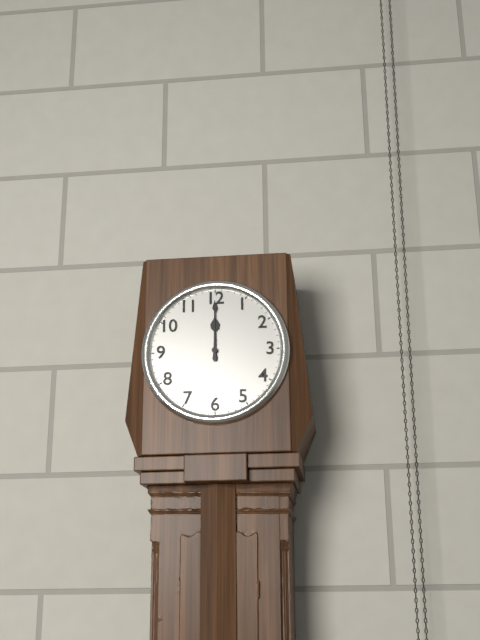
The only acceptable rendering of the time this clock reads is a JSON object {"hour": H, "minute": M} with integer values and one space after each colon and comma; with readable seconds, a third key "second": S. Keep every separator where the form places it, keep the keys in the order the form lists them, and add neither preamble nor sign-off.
{"hour": 12, "minute": 0}
